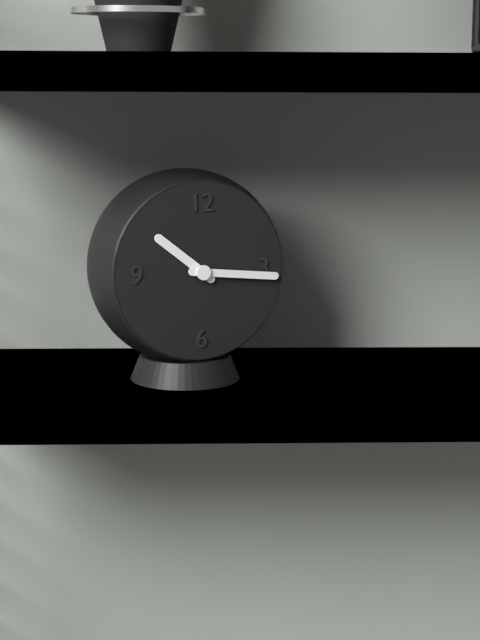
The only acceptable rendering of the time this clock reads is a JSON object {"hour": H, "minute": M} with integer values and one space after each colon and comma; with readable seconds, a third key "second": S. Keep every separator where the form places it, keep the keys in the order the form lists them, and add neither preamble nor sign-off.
{"hour": 10, "minute": 16}
